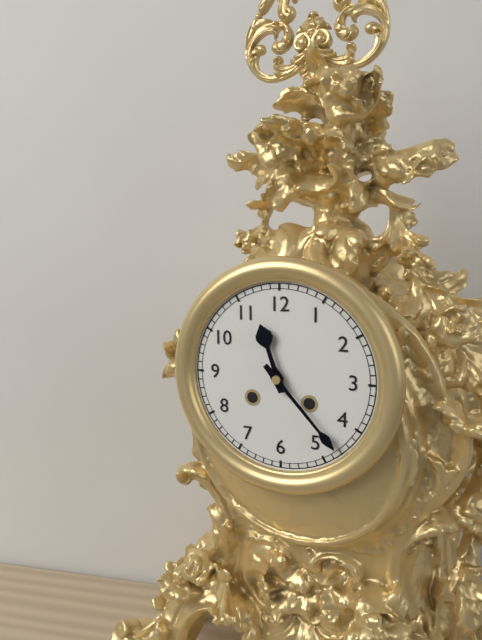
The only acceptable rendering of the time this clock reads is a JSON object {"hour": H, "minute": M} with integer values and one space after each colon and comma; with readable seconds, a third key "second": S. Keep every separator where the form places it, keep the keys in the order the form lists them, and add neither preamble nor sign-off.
{"hour": 11, "minute": 23}
